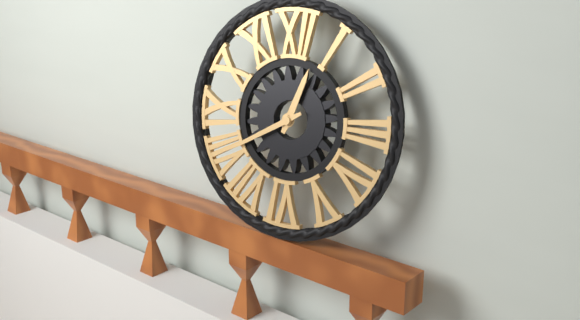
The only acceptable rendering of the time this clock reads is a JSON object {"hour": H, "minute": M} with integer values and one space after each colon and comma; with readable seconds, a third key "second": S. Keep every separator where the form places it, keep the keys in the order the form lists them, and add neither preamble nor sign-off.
{"hour": 12, "minute": 40}
